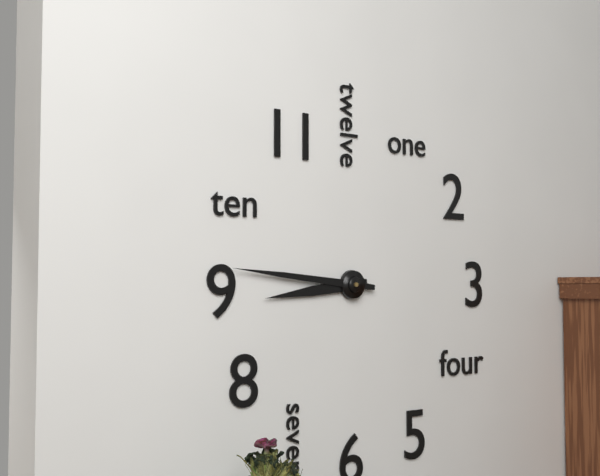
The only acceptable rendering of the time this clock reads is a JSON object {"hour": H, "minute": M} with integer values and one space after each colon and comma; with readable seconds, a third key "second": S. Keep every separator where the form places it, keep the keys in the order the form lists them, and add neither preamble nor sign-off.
{"hour": 8, "minute": 46}
